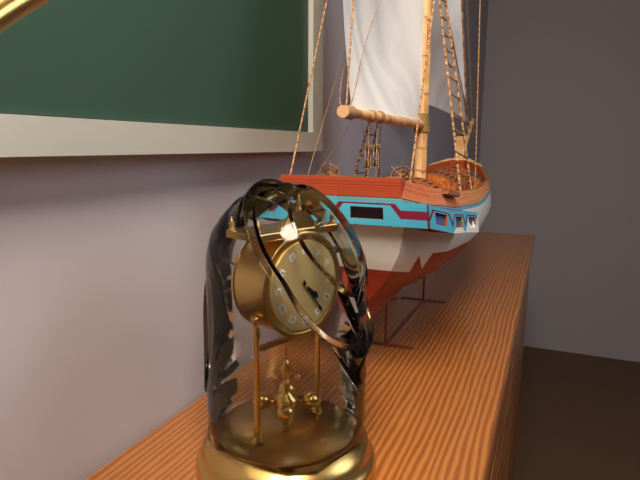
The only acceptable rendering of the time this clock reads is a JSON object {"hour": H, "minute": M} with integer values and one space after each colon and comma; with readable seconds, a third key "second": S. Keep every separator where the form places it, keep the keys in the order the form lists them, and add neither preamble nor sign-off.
{"hour": 4, "minute": 24}
